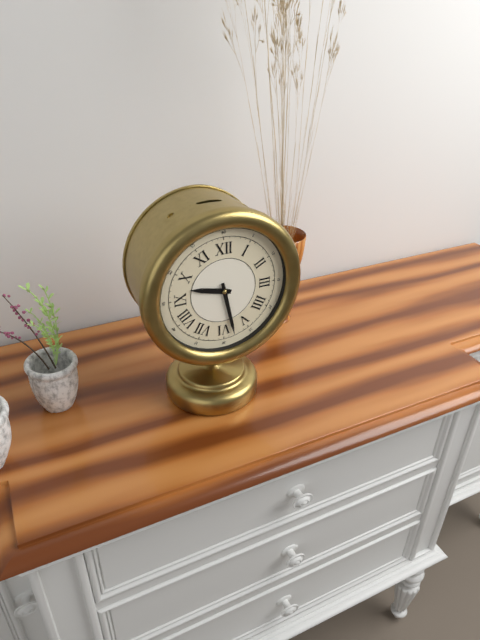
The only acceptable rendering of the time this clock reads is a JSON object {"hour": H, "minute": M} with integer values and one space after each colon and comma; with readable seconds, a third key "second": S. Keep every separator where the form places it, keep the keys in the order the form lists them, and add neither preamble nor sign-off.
{"hour": 9, "minute": 28}
